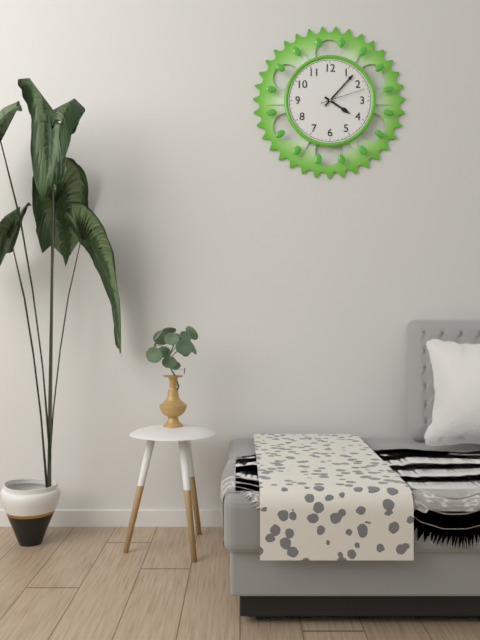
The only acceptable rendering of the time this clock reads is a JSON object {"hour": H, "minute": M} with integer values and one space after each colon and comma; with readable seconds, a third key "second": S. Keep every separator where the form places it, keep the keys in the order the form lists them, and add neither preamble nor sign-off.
{"hour": 4, "minute": 7}
